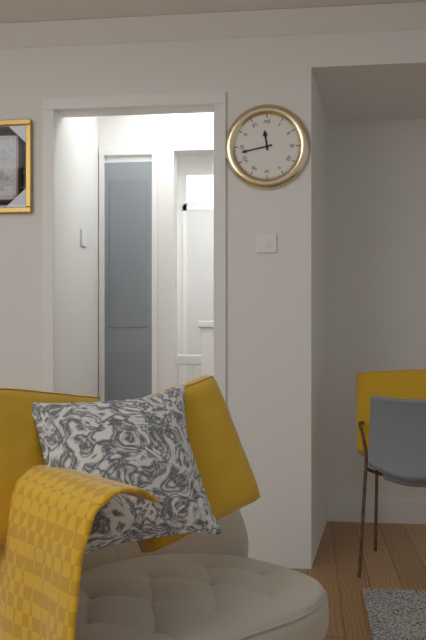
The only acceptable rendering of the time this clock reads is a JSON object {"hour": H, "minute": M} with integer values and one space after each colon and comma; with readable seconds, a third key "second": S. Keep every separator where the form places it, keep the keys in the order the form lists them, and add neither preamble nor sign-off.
{"hour": 11, "minute": 43}
